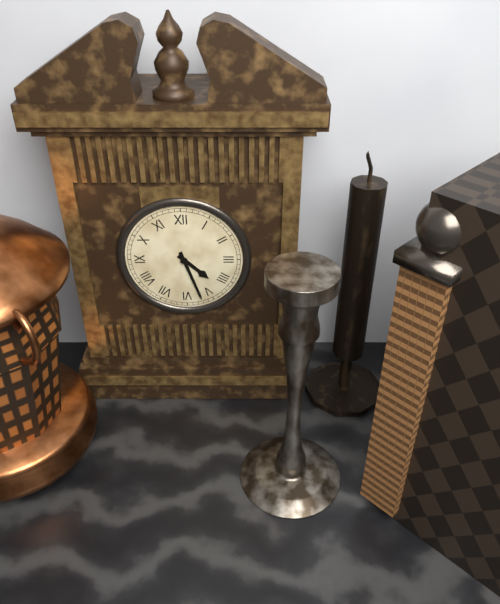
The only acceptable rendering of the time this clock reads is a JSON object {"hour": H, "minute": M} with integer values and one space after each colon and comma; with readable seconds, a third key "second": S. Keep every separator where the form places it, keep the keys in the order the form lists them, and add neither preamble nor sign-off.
{"hour": 4, "minute": 27}
